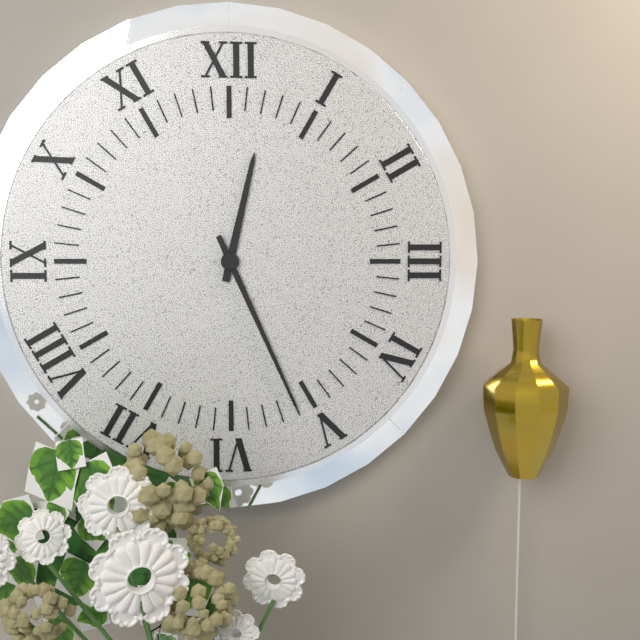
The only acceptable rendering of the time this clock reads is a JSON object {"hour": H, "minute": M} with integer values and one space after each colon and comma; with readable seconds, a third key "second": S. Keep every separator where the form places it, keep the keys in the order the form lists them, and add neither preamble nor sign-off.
{"hour": 12, "minute": 26}
